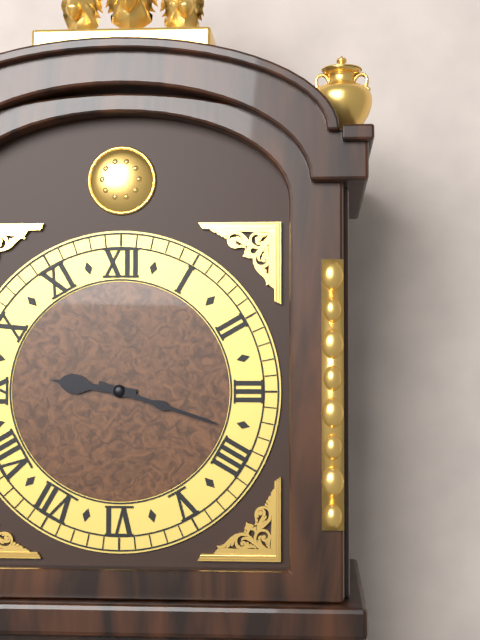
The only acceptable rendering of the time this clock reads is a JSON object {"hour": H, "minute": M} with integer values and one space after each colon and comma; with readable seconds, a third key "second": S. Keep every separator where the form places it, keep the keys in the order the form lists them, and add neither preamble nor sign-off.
{"hour": 9, "minute": 18}
